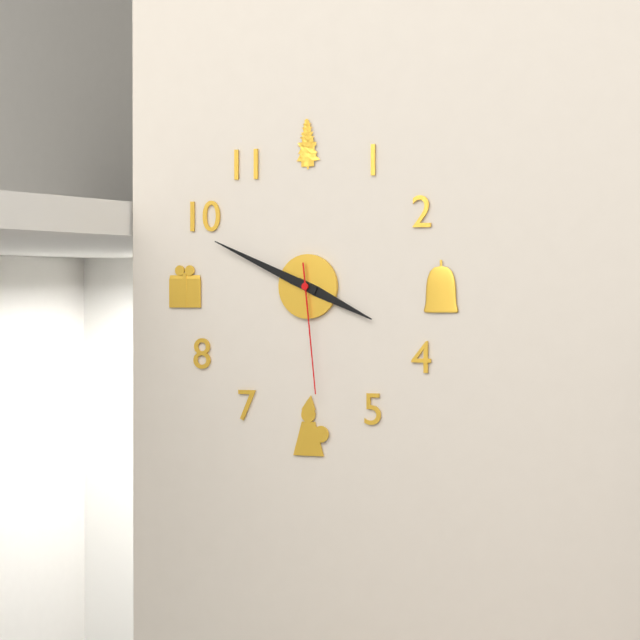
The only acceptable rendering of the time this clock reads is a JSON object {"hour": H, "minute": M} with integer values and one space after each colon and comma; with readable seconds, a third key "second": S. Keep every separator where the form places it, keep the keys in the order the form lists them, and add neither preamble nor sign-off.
{"hour": 3, "minute": 49, "second": 29}
